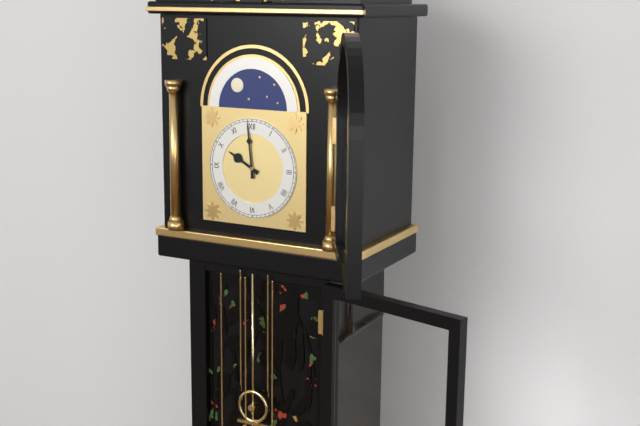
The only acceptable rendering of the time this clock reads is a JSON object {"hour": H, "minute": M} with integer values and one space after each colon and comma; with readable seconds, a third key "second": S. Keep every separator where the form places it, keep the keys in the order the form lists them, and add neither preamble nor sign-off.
{"hour": 9, "minute": 59}
